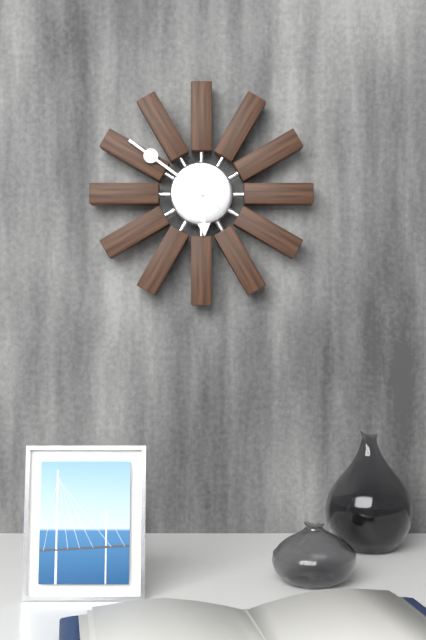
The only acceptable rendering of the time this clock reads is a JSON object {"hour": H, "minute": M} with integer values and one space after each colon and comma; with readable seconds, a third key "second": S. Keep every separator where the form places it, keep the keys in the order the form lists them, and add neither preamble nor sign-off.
{"hour": 5, "minute": 51}
